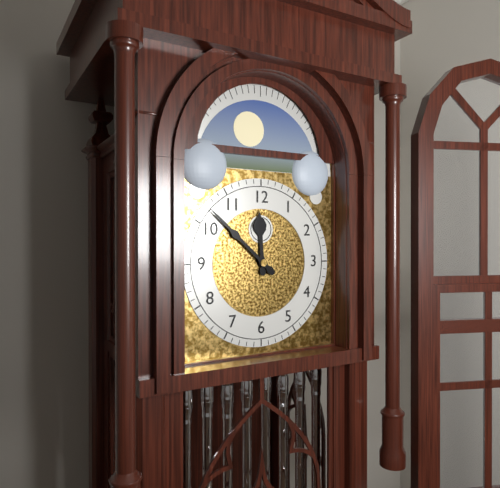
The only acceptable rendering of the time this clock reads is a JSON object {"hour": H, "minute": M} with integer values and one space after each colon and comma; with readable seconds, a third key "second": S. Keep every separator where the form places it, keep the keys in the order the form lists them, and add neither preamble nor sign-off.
{"hour": 11, "minute": 52}
